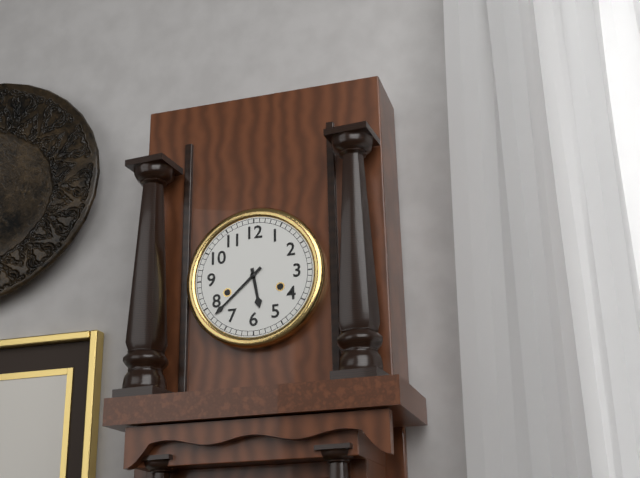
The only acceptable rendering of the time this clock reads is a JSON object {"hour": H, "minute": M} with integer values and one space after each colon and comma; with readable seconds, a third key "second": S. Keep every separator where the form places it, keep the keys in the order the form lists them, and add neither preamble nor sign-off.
{"hour": 5, "minute": 38}
